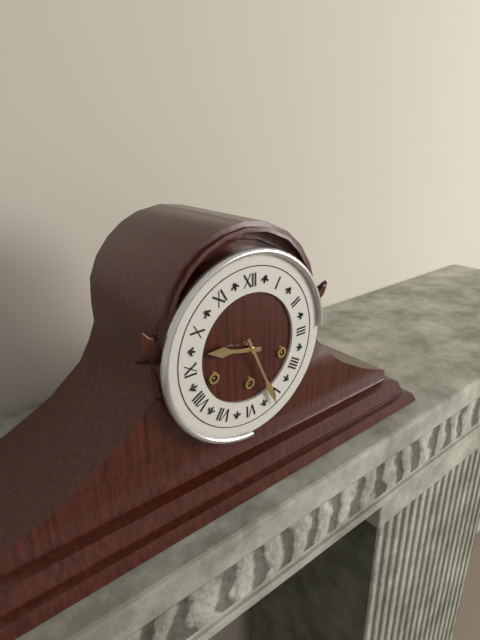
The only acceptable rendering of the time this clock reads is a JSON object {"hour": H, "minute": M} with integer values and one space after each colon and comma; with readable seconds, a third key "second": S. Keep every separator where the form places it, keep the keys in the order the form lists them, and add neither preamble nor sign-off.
{"hour": 9, "minute": 26}
